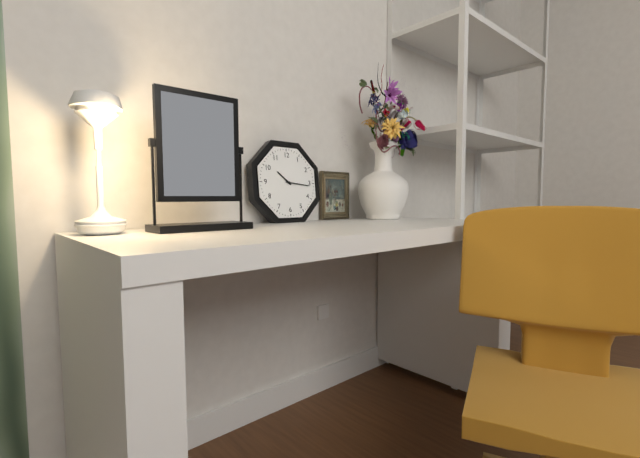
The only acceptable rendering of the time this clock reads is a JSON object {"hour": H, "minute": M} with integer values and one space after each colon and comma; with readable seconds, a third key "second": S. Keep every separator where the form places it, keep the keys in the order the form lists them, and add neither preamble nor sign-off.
{"hour": 10, "minute": 16}
